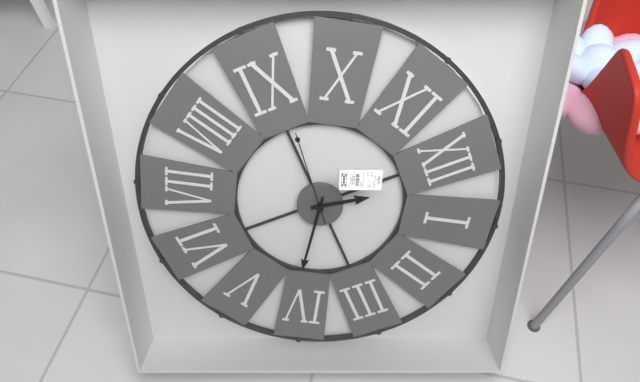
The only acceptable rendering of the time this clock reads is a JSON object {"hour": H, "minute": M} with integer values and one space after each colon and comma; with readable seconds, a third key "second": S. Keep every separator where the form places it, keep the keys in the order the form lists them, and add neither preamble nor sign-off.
{"hour": 12, "minute": 21, "second": 46}
